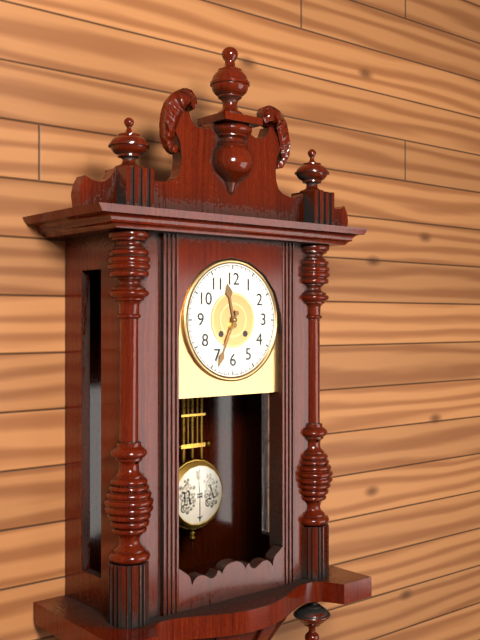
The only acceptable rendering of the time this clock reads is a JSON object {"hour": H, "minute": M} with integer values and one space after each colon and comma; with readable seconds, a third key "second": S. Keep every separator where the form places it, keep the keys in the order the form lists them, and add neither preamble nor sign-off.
{"hour": 11, "minute": 34}
